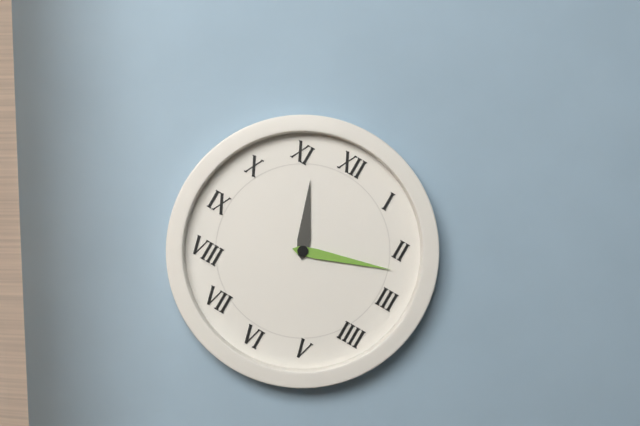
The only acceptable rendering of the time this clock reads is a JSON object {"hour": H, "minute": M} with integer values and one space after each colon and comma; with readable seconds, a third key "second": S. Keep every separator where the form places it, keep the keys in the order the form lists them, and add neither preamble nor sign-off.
{"hour": 11, "minute": 12}
